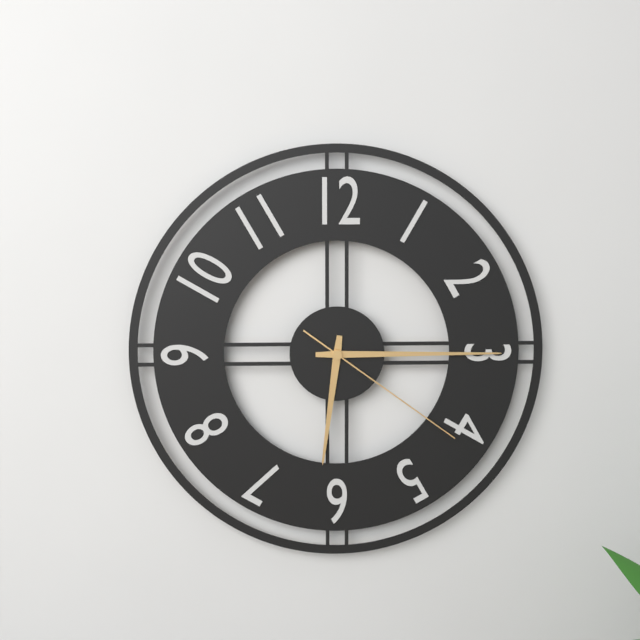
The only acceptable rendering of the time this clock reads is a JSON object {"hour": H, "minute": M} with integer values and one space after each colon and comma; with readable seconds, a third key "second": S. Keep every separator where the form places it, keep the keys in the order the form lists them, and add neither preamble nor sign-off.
{"hour": 6, "minute": 15, "second": 21}
